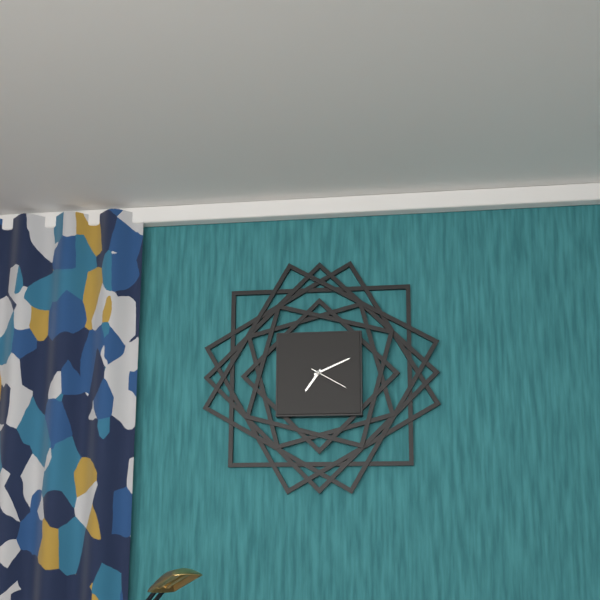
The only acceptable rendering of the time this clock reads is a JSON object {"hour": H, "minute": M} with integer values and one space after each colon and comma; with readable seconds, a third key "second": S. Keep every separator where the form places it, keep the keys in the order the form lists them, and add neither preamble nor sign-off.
{"hour": 7, "minute": 11}
